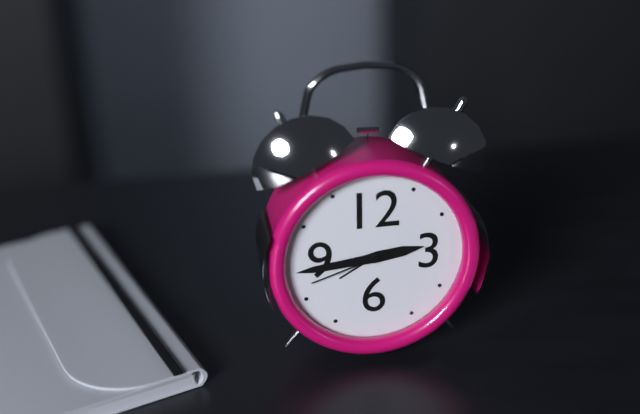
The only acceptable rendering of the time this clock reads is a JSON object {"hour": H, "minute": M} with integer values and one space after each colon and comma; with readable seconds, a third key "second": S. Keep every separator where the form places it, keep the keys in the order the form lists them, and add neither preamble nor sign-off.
{"hour": 2, "minute": 44, "second": 42}
